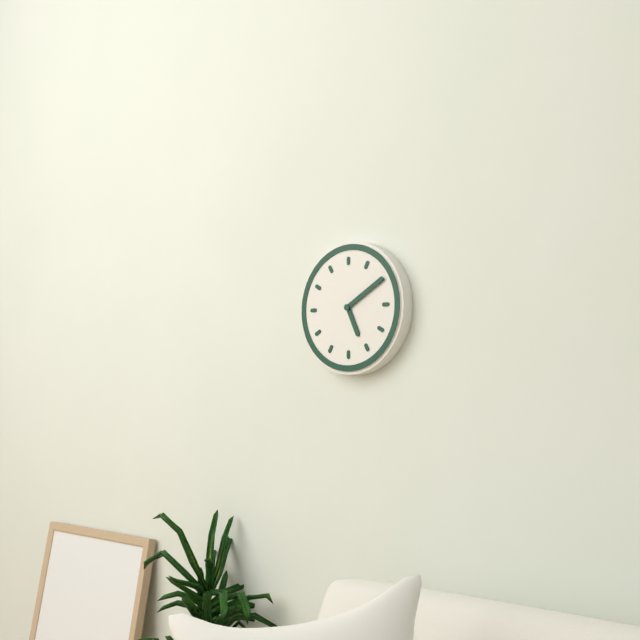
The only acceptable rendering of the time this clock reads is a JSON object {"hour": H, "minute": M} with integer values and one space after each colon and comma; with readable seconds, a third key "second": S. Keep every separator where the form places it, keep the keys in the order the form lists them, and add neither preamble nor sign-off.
{"hour": 5, "minute": 10}
